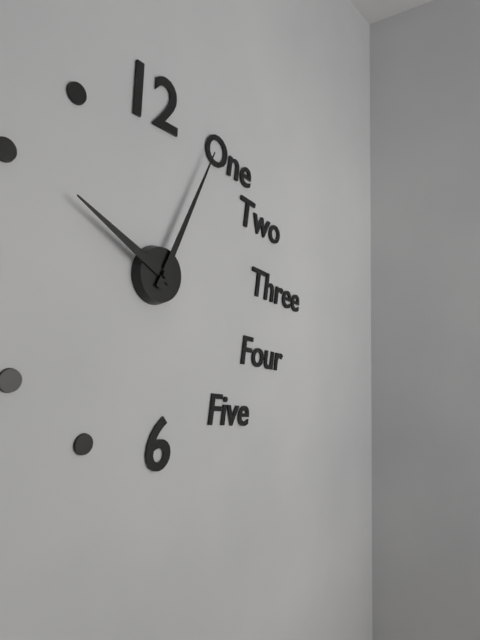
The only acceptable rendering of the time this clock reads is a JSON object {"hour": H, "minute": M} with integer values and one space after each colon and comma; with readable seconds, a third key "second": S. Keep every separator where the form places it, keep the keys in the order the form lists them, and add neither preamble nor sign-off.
{"hour": 10, "minute": 5}
